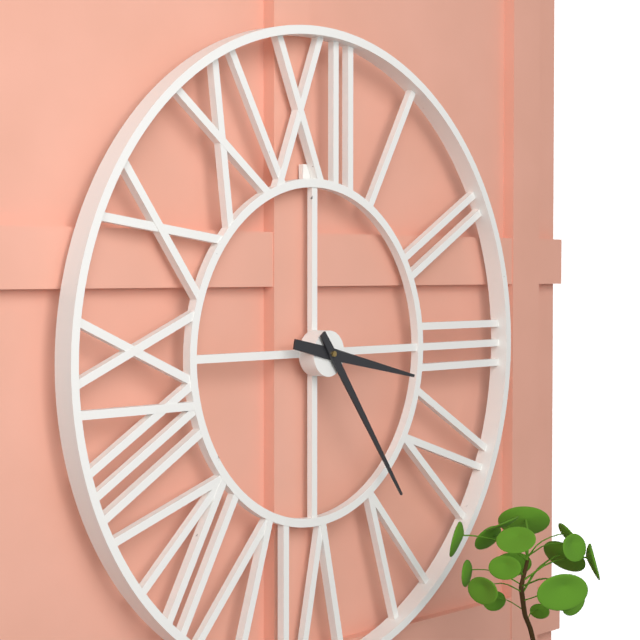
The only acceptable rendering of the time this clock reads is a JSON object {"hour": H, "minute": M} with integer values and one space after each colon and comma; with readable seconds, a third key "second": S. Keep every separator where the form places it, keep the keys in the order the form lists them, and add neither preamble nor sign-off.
{"hour": 3, "minute": 24}
